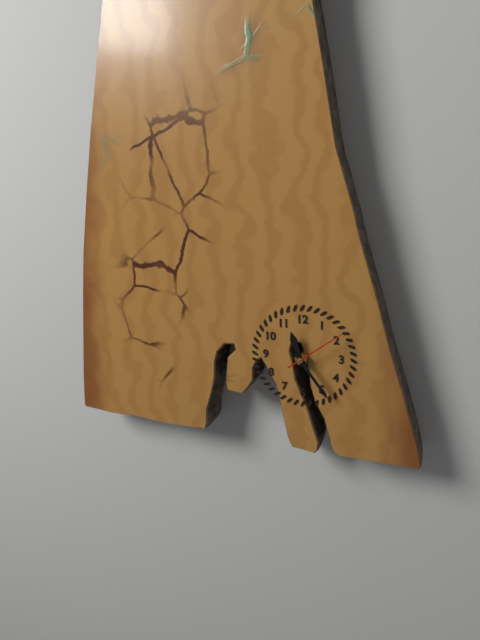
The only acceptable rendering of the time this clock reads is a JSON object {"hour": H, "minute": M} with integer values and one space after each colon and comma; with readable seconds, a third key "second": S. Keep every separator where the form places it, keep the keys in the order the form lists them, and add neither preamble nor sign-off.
{"hour": 11, "minute": 24, "second": 9}
